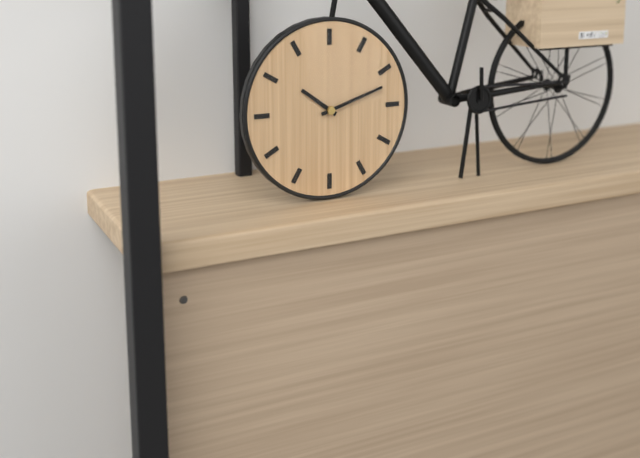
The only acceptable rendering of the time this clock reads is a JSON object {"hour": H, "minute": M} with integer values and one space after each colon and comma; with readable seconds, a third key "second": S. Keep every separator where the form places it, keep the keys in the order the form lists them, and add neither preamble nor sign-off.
{"hour": 10, "minute": 12}
